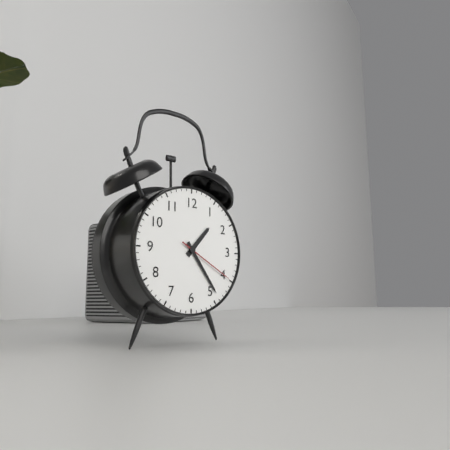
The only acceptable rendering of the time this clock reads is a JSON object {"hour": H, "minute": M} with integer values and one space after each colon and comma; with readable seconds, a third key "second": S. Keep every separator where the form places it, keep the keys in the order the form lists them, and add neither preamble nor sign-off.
{"hour": 1, "minute": 24, "second": 20}
